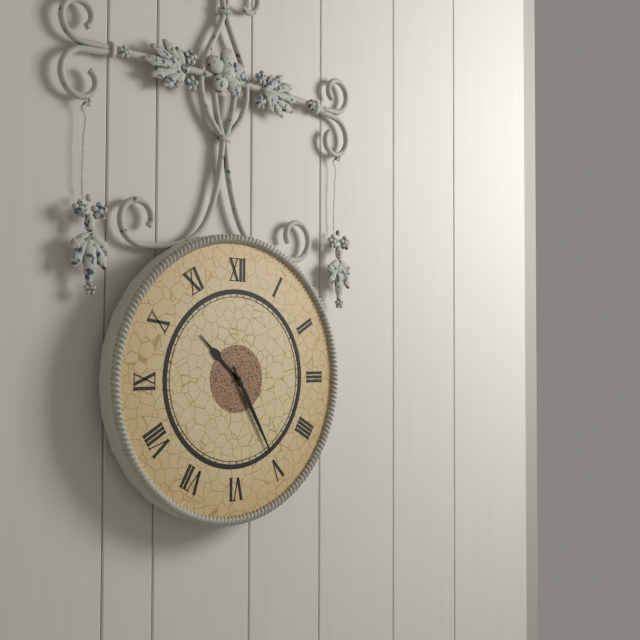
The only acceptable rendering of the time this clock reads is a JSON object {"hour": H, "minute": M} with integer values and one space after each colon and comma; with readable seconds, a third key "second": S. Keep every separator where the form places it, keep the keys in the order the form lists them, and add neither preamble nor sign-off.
{"hour": 10, "minute": 25}
